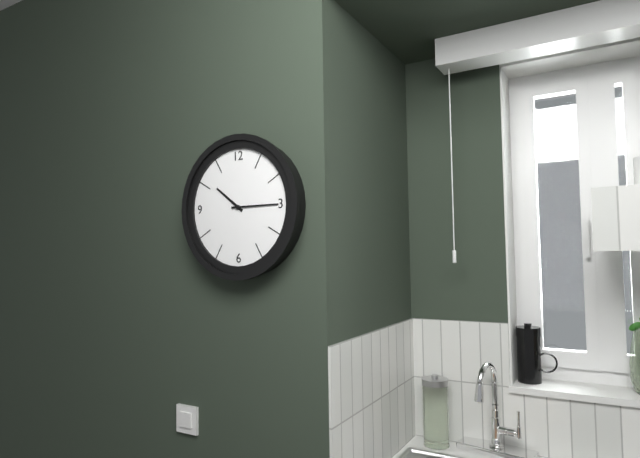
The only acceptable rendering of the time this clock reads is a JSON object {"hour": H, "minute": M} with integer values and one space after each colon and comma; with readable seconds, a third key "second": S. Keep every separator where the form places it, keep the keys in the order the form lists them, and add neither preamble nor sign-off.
{"hour": 10, "minute": 15}
